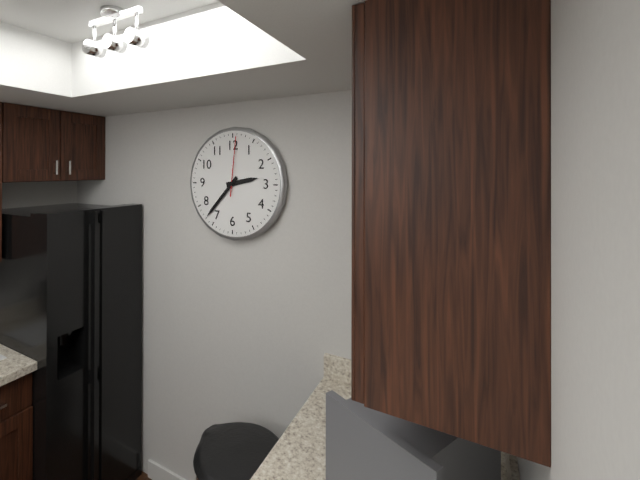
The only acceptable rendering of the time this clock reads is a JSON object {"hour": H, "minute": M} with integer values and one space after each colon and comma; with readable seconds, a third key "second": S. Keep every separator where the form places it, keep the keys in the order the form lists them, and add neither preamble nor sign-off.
{"hour": 2, "minute": 37, "second": 1}
